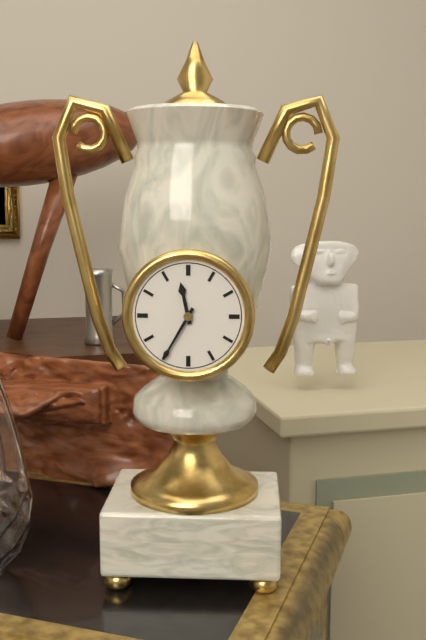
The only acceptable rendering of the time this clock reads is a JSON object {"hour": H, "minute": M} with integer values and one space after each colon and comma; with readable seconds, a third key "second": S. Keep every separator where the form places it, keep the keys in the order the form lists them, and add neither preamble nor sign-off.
{"hour": 11, "minute": 35}
